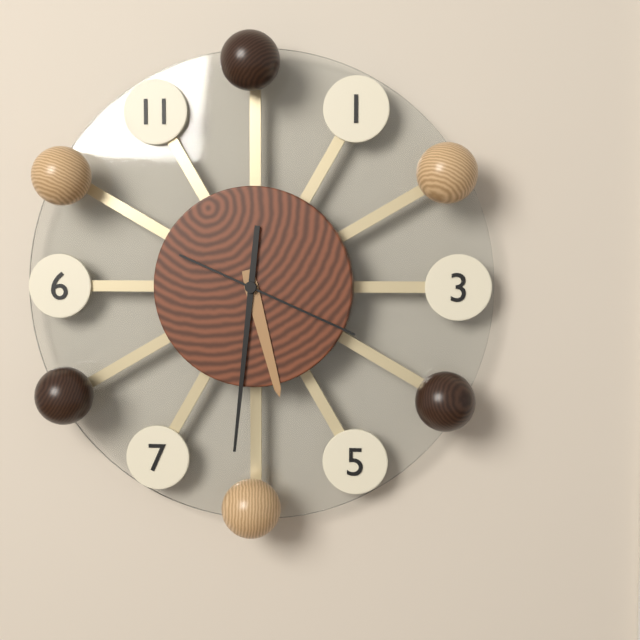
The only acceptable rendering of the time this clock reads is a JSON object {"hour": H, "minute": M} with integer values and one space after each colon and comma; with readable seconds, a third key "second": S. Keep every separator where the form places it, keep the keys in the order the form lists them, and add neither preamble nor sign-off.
{"hour": 5, "minute": 31, "second": 19}
